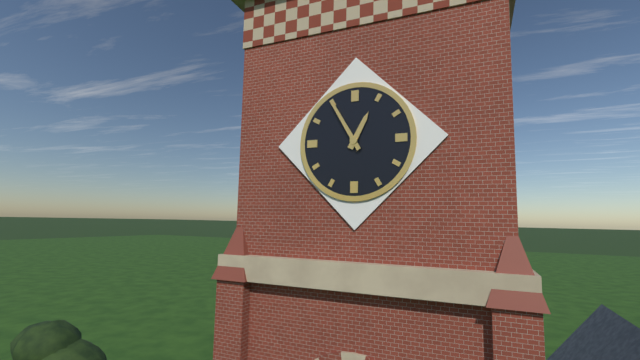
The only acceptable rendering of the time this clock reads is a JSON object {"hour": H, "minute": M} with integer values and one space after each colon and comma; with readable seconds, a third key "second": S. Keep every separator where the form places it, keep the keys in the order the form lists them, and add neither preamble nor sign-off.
{"hour": 12, "minute": 55}
